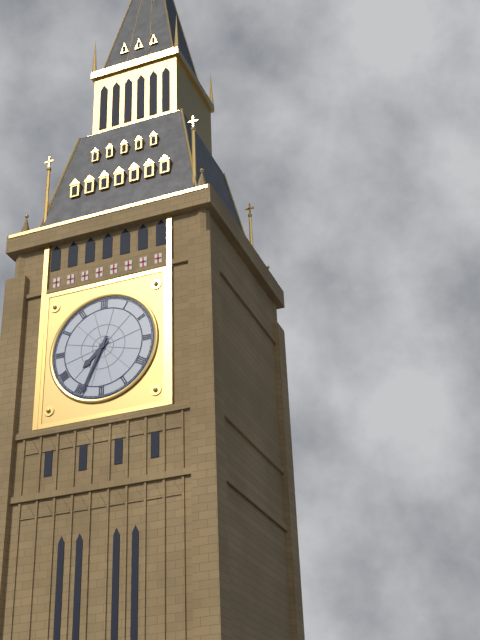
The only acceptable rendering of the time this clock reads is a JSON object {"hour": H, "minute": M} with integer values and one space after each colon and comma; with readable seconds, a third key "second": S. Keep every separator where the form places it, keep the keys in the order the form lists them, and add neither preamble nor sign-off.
{"hour": 7, "minute": 34}
